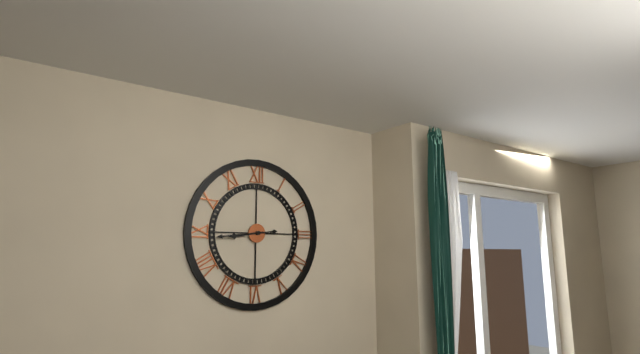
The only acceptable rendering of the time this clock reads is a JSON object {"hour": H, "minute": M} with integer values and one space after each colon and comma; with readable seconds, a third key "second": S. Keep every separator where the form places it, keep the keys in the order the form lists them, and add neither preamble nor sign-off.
{"hour": 8, "minute": 44}
